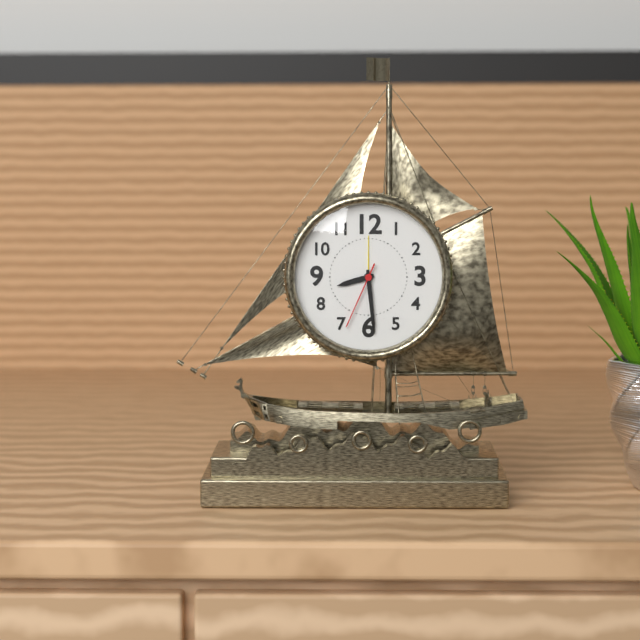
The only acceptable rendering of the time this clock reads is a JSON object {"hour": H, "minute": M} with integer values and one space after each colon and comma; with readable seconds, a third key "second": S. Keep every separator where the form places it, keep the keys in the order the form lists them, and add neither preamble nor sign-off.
{"hour": 8, "minute": 29, "second": 34}
